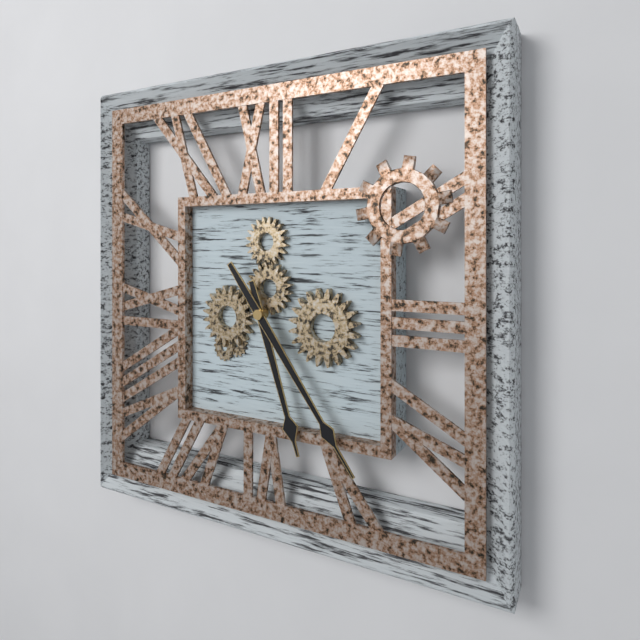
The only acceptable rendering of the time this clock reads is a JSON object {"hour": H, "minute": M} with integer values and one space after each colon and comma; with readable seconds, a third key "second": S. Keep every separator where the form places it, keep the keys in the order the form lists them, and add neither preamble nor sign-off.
{"hour": 5, "minute": 24}
